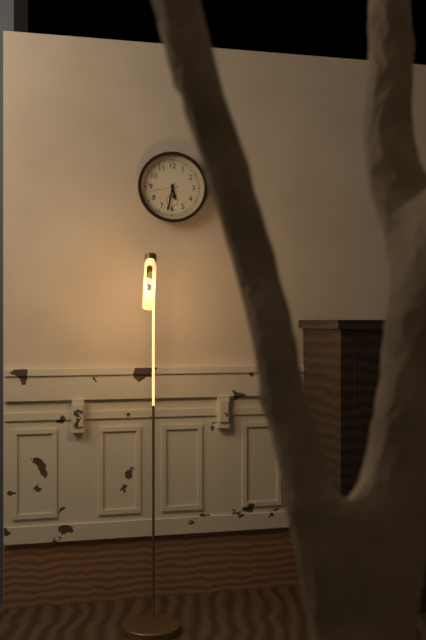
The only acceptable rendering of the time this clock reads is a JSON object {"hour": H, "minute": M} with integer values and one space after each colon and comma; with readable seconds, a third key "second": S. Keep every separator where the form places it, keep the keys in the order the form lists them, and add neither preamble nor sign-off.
{"hour": 5, "minute": 32}
